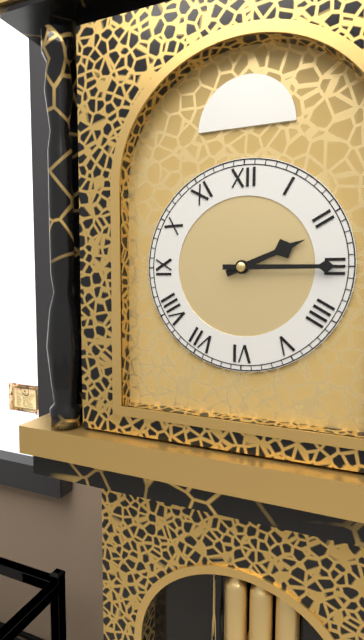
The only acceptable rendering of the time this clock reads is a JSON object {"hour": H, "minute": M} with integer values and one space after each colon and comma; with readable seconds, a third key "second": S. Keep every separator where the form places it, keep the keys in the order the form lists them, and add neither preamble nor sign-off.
{"hour": 2, "minute": 15}
